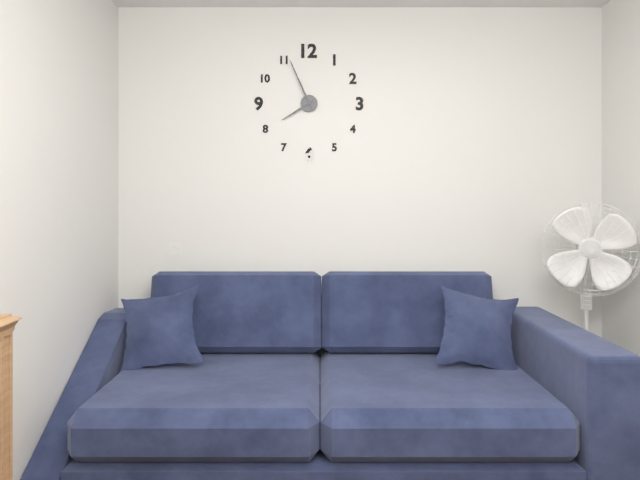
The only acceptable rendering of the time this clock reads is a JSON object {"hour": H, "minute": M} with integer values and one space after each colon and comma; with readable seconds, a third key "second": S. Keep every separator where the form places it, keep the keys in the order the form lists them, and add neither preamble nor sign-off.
{"hour": 7, "minute": 56}
